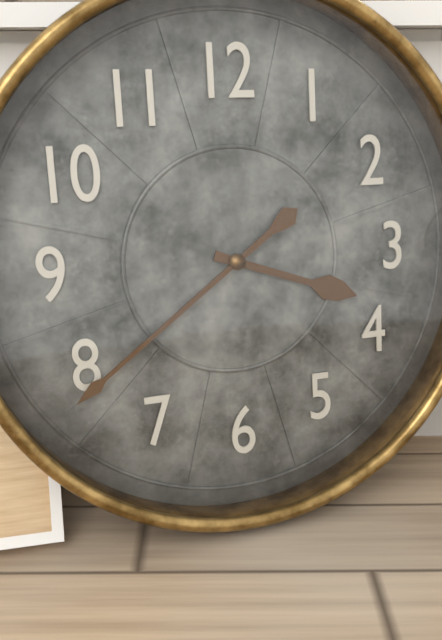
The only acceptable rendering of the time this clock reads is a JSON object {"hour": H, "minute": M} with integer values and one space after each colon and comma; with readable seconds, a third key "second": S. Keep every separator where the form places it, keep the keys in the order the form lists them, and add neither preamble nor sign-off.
{"hour": 3, "minute": 39}
